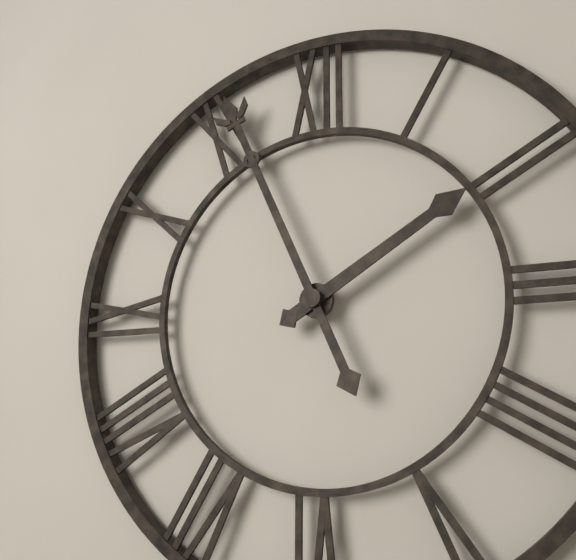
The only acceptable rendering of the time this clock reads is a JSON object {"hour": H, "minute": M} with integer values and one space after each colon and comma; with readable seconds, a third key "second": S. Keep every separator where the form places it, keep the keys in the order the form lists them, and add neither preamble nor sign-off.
{"hour": 1, "minute": 56}
